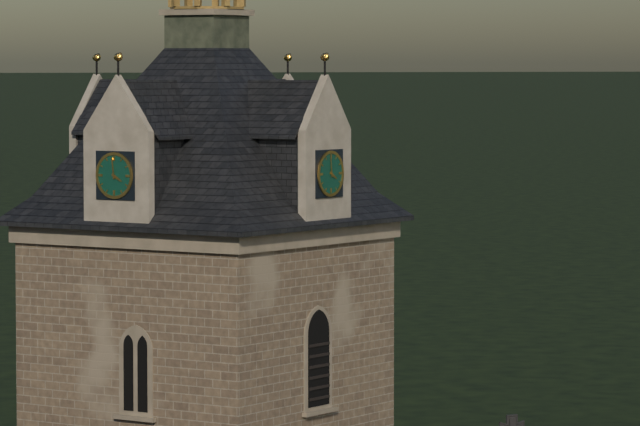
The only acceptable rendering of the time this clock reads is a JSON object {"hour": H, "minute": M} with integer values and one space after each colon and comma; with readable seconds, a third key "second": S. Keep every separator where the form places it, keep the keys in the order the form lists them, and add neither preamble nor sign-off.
{"hour": 3, "minute": 59}
